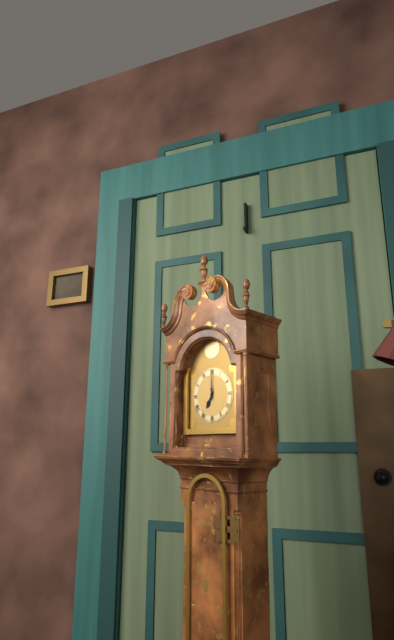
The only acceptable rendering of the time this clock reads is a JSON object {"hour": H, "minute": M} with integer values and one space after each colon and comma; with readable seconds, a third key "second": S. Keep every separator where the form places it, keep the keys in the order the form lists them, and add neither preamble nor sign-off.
{"hour": 7, "minute": 0}
